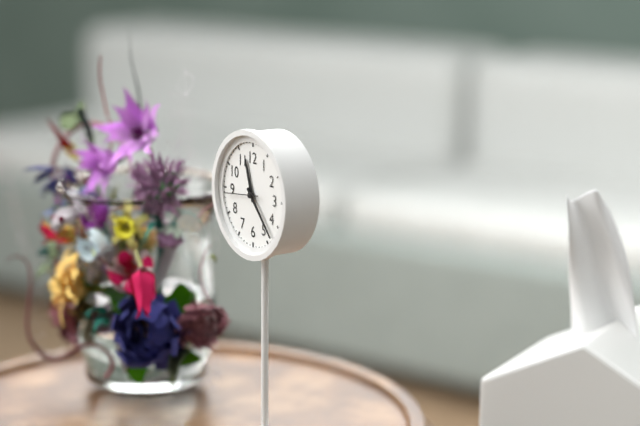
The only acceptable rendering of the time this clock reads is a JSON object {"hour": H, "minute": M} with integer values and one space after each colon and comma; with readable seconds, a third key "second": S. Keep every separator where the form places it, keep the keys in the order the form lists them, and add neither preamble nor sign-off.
{"hour": 11, "minute": 23}
